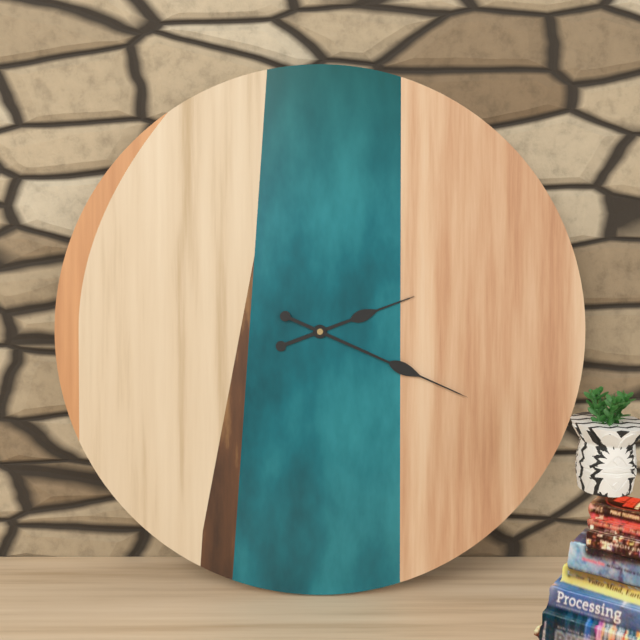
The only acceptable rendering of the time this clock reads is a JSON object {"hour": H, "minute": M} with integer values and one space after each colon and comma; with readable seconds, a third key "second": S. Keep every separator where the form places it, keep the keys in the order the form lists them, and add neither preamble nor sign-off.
{"hour": 2, "minute": 19}
